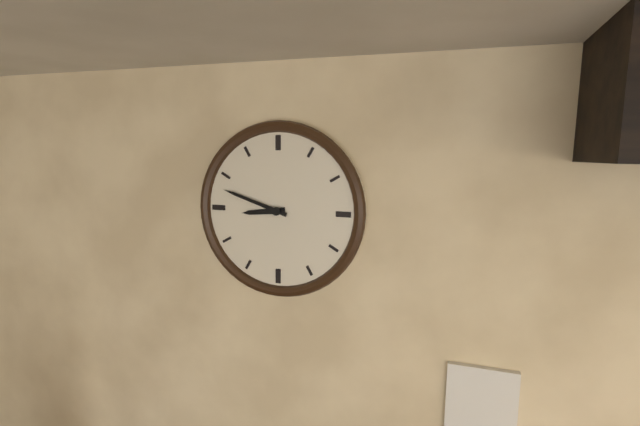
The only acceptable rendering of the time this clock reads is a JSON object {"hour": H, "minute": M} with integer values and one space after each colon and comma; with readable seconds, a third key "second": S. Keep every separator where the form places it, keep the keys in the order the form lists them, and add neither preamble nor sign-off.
{"hour": 8, "minute": 48}
